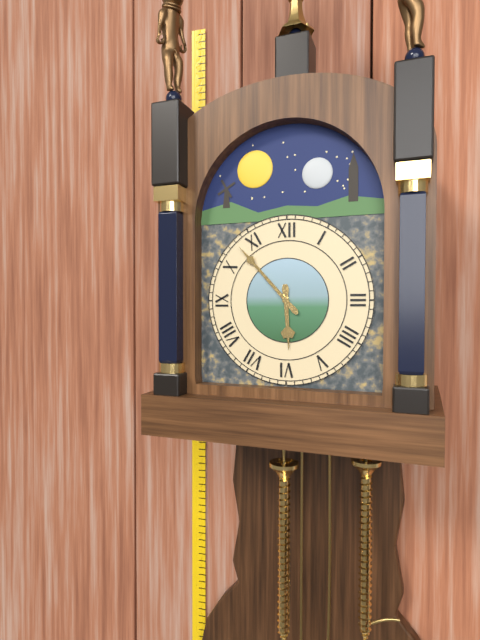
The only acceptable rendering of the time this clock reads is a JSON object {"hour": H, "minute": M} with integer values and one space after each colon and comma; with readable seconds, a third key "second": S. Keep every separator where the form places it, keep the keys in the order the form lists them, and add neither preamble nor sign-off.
{"hour": 5, "minute": 53}
